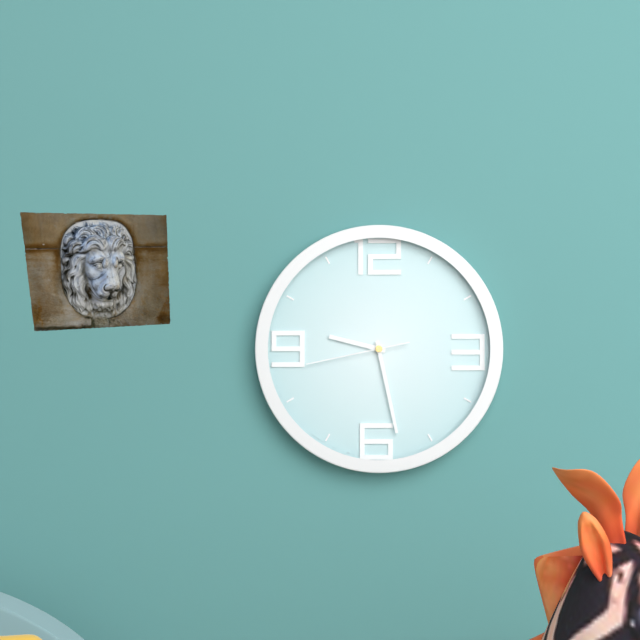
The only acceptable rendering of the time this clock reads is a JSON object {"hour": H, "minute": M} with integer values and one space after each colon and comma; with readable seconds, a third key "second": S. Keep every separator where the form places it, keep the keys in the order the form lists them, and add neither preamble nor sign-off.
{"hour": 9, "minute": 28, "second": 43}
